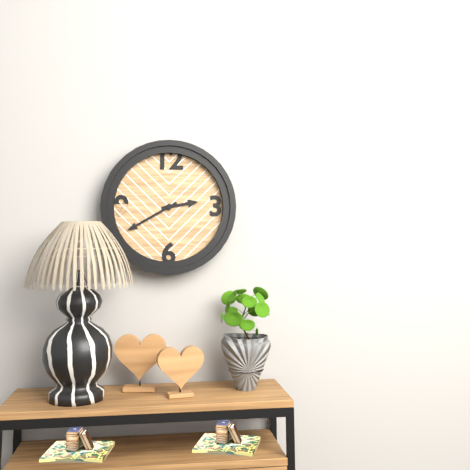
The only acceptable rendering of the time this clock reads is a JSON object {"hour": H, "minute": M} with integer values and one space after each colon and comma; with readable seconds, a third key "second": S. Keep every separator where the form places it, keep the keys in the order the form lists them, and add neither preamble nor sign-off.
{"hour": 2, "minute": 40}
